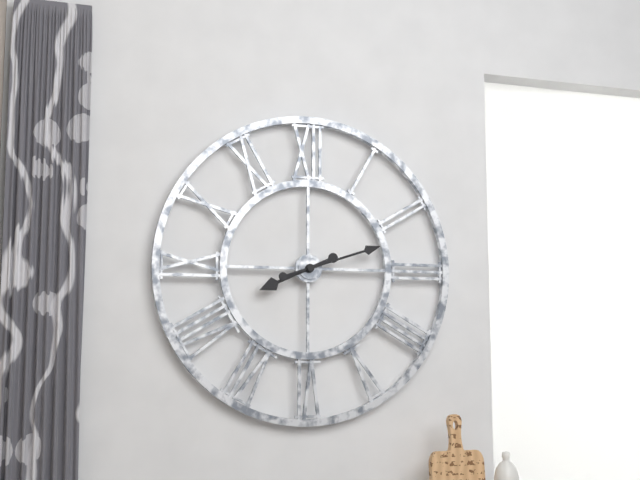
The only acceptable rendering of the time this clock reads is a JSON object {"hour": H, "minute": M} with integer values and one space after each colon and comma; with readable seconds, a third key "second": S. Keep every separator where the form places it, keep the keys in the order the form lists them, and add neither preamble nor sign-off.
{"hour": 8, "minute": 12}
